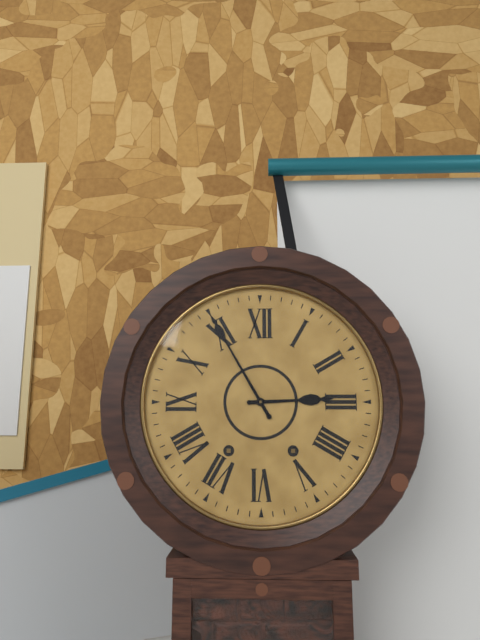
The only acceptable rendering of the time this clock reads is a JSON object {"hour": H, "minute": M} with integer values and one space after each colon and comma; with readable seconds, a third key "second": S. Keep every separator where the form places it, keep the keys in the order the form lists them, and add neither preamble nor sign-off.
{"hour": 2, "minute": 55}
